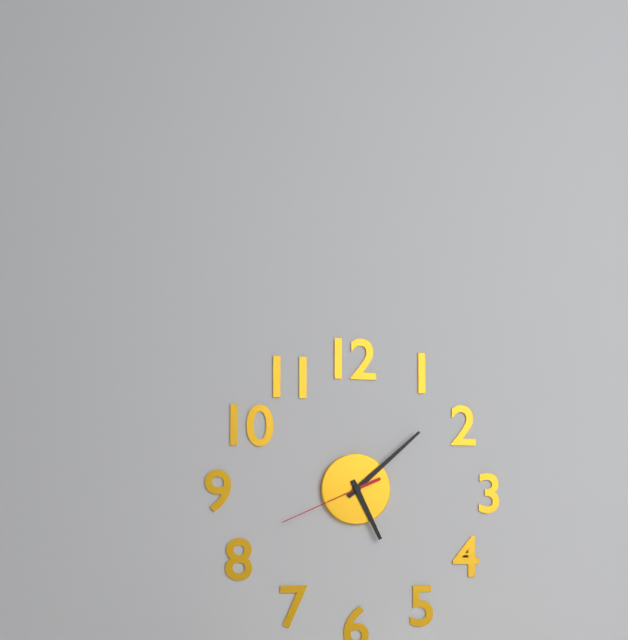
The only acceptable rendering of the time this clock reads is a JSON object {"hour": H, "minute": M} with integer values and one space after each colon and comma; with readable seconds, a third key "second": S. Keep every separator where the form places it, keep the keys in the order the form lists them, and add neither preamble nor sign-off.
{"hour": 5, "minute": 8, "second": 41}
